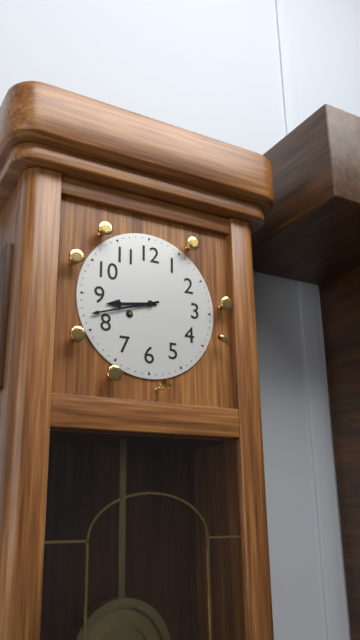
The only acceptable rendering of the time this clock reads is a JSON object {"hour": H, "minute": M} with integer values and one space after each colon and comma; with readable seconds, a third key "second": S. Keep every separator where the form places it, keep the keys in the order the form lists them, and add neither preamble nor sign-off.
{"hour": 8, "minute": 42}
